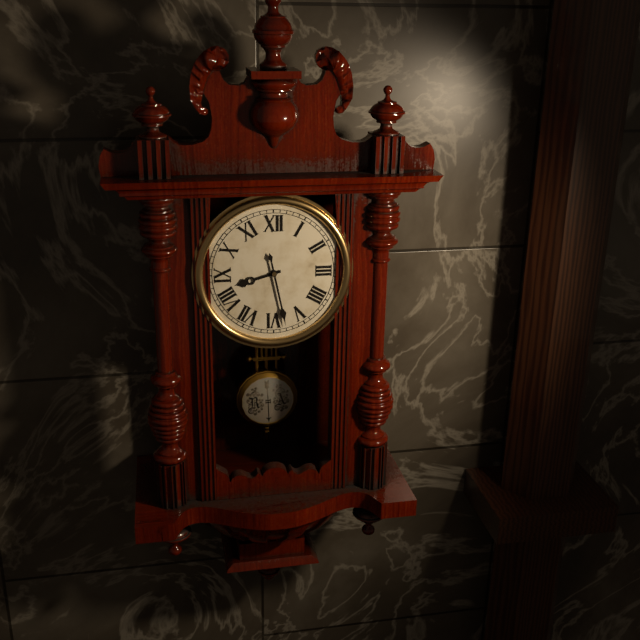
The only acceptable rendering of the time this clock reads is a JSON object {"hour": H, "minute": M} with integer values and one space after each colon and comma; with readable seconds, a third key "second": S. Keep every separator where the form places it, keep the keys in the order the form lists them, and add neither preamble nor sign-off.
{"hour": 8, "minute": 28}
